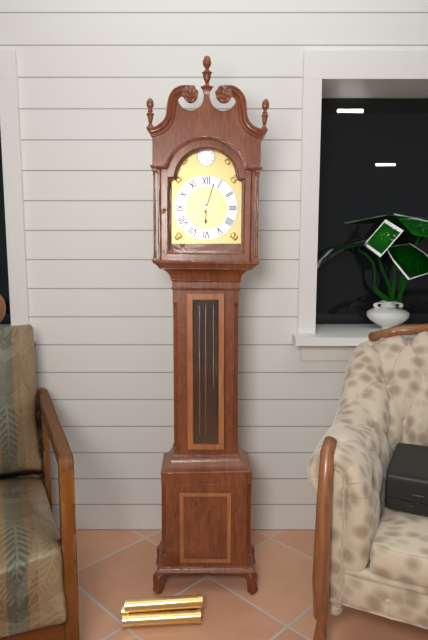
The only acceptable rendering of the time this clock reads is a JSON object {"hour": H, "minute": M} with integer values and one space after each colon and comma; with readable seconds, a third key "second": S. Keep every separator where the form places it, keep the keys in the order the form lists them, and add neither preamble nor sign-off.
{"hour": 6, "minute": 3}
